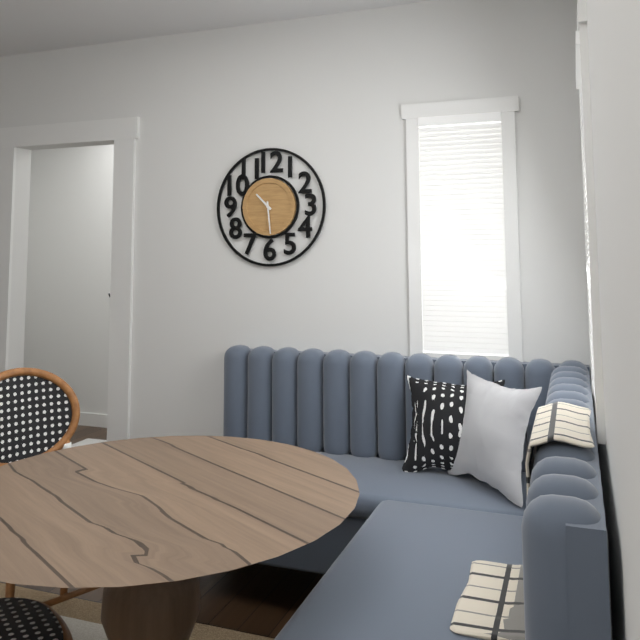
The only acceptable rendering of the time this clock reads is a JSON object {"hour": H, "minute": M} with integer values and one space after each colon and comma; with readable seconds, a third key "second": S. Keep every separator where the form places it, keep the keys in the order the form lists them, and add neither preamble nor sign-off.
{"hour": 10, "minute": 29}
